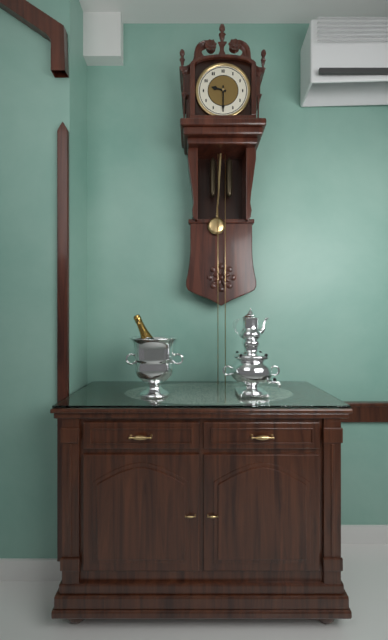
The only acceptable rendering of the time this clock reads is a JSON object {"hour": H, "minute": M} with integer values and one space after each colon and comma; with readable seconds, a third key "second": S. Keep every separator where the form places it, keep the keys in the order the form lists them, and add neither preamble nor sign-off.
{"hour": 9, "minute": 30}
